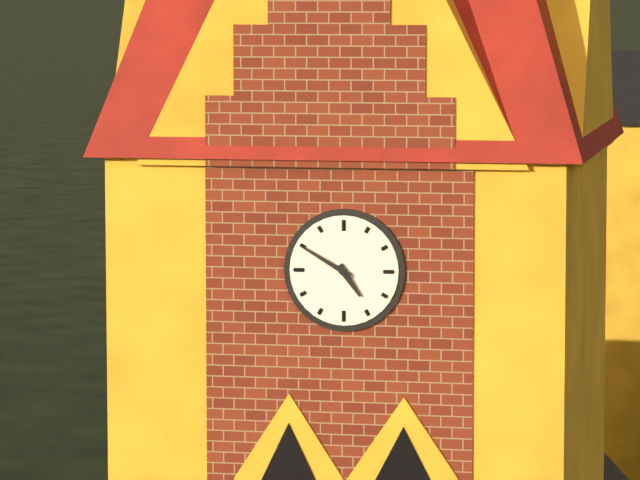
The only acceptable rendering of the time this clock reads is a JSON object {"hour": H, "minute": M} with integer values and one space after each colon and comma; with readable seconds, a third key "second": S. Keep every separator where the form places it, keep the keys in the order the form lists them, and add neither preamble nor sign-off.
{"hour": 4, "minute": 50}
